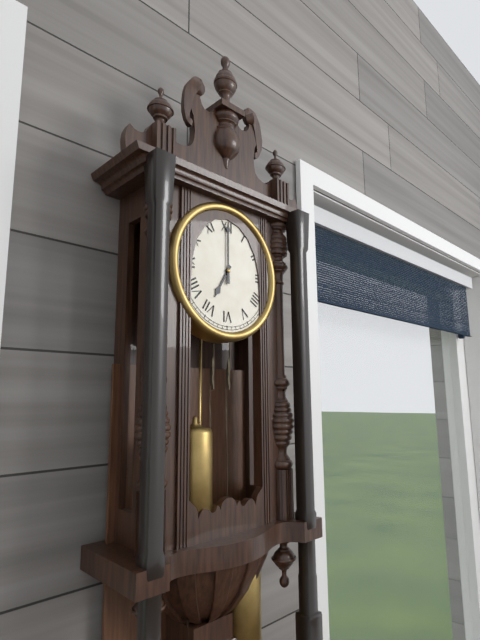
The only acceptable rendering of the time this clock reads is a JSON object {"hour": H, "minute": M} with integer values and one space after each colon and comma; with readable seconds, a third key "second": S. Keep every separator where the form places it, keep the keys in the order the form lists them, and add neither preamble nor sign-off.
{"hour": 7, "minute": 0}
